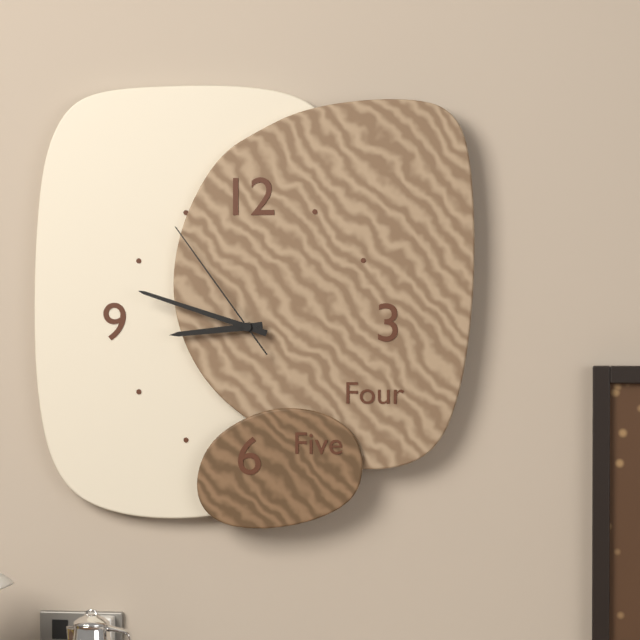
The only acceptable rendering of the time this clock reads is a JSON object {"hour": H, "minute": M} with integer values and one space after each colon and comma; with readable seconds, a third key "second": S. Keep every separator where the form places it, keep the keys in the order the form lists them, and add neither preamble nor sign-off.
{"hour": 8, "minute": 48, "second": 54}
